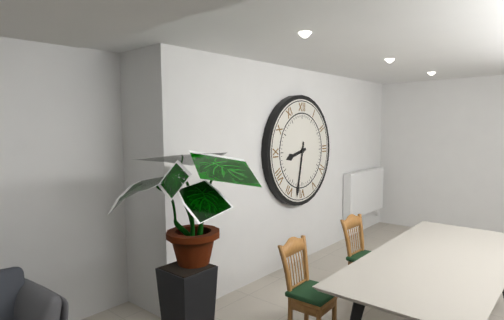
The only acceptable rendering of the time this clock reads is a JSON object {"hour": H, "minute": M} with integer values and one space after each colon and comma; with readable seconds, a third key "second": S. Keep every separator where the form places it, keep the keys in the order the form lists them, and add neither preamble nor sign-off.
{"hour": 8, "minute": 32}
